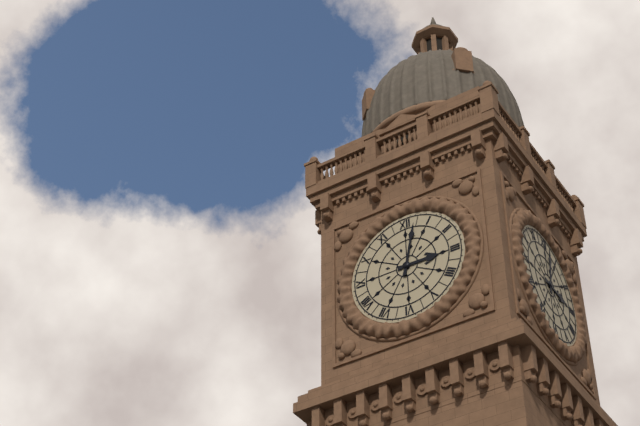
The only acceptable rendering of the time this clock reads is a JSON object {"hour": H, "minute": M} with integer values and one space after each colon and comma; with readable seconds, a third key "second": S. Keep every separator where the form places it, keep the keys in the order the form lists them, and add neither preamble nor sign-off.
{"hour": 3, "minute": 2}
